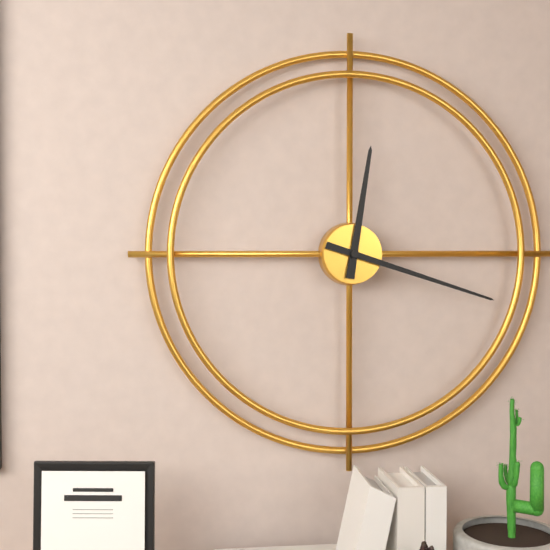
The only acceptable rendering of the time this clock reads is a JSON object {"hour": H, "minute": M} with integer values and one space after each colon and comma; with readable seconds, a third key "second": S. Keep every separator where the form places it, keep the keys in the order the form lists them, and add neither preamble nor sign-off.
{"hour": 12, "minute": 18}
